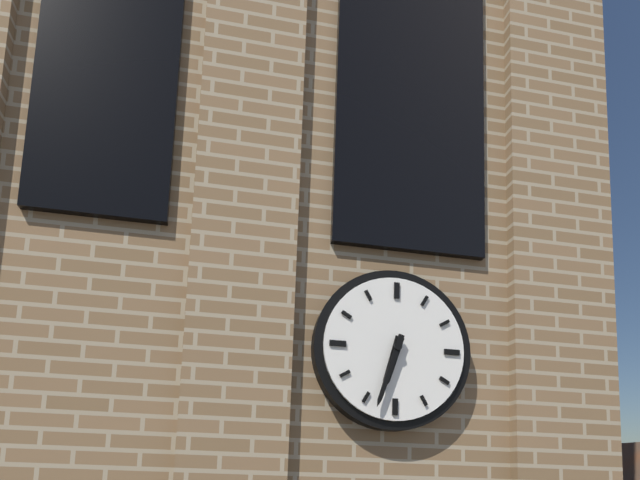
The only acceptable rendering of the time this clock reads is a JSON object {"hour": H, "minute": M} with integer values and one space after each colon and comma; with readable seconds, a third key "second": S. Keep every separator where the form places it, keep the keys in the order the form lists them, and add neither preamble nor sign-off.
{"hour": 6, "minute": 33}
